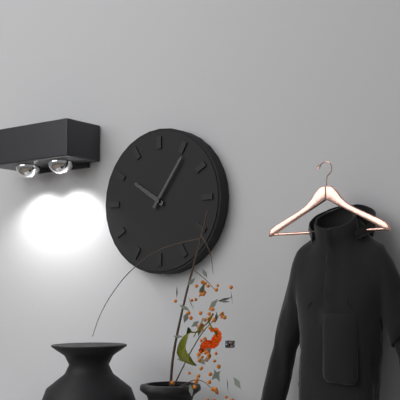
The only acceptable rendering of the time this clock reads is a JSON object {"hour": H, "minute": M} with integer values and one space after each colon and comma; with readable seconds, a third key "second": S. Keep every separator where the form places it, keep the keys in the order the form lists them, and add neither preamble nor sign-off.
{"hour": 10, "minute": 6}
